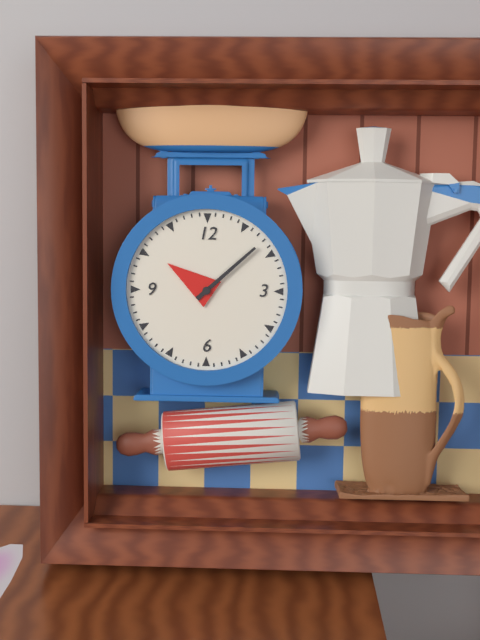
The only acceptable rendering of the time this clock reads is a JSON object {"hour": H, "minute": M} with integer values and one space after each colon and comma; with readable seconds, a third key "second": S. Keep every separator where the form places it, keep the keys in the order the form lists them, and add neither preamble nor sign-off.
{"hour": 10, "minute": 8}
